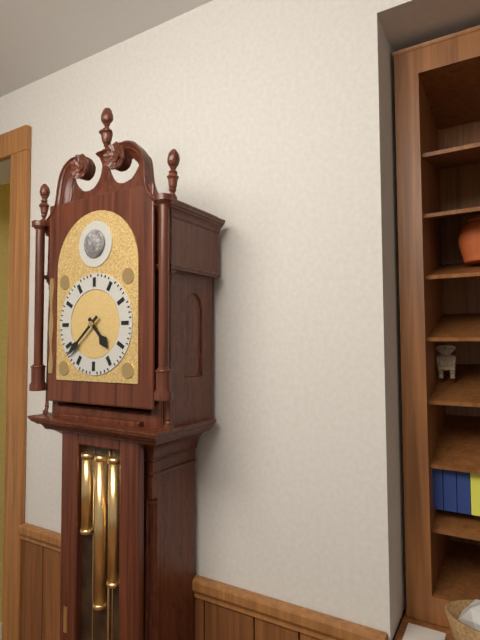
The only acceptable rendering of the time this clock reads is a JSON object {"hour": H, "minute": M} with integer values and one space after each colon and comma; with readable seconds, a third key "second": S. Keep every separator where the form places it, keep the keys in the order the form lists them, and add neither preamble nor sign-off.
{"hour": 4, "minute": 38}
